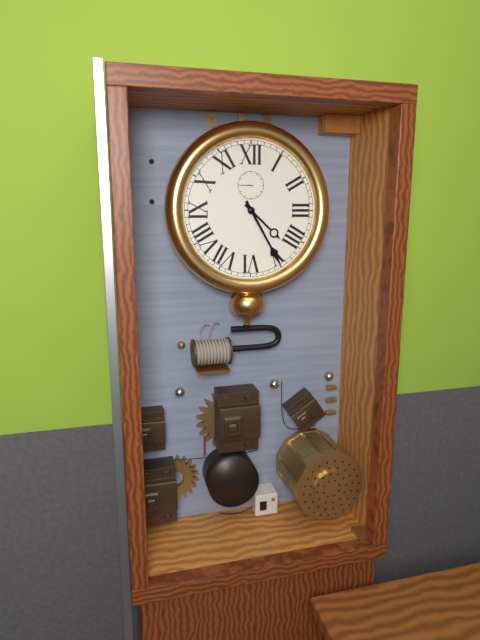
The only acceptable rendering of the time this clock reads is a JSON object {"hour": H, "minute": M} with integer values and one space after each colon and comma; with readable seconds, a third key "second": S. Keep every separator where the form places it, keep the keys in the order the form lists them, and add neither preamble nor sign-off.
{"hour": 4, "minute": 25}
